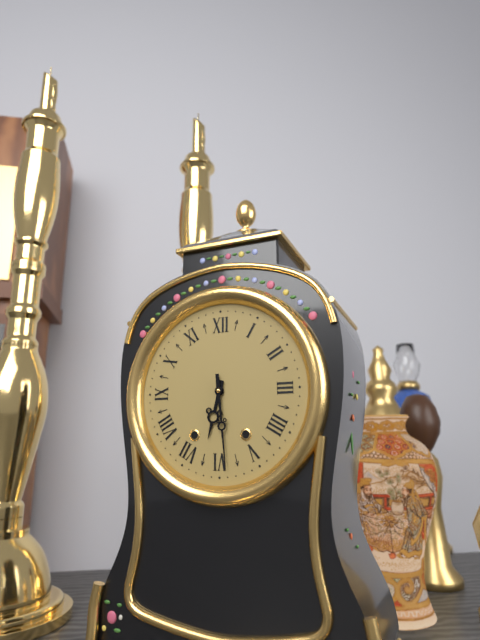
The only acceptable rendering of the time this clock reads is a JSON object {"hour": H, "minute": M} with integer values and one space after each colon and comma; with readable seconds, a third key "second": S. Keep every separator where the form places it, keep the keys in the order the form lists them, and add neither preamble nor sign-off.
{"hour": 6, "minute": 29}
